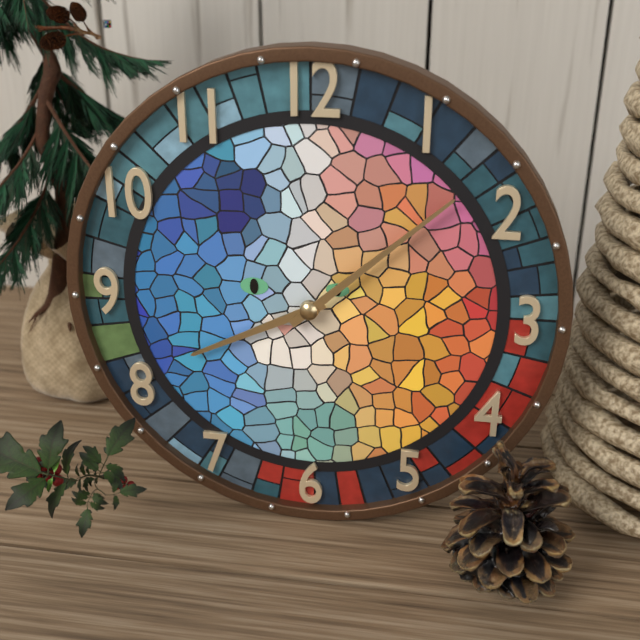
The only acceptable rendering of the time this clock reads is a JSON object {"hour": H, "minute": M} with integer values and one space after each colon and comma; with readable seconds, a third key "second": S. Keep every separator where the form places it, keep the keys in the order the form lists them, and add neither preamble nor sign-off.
{"hour": 8, "minute": 8}
